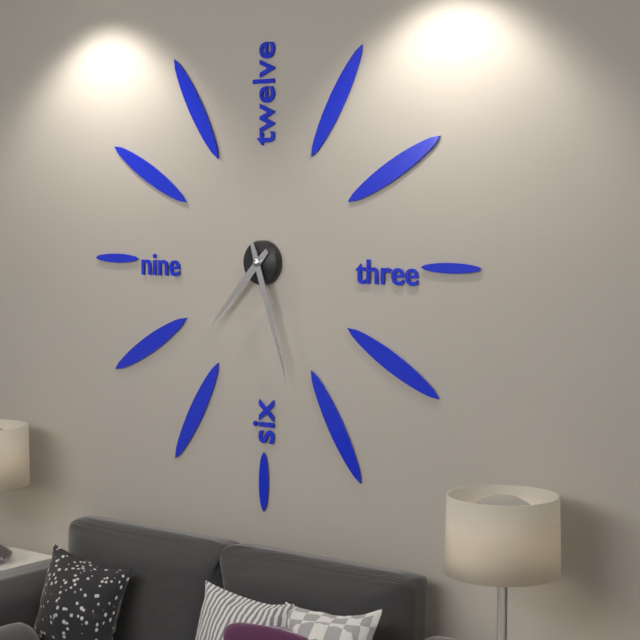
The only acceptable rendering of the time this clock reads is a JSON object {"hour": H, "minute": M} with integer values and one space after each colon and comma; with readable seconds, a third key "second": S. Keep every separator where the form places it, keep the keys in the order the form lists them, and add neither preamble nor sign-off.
{"hour": 7, "minute": 27}
